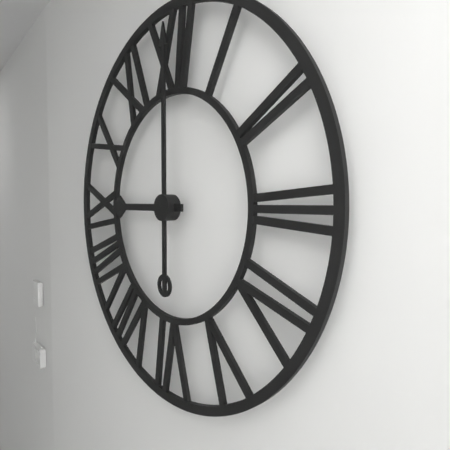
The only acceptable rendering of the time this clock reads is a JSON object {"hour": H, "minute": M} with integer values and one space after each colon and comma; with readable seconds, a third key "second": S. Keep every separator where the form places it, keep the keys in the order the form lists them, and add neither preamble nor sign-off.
{"hour": 9, "minute": 0}
